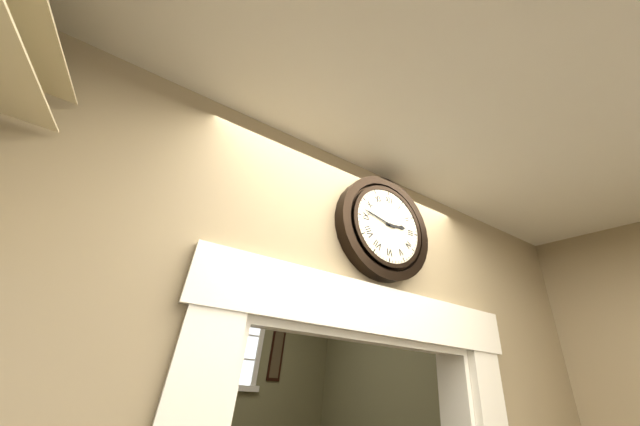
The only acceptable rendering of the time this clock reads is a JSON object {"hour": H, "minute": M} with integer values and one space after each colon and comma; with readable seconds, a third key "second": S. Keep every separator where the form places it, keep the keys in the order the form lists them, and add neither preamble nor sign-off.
{"hour": 2, "minute": 47}
